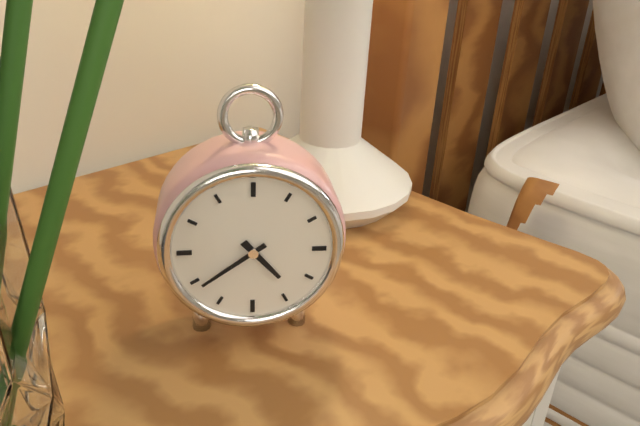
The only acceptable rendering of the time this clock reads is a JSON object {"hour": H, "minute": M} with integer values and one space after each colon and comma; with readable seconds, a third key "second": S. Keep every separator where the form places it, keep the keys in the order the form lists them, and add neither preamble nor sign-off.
{"hour": 4, "minute": 39}
